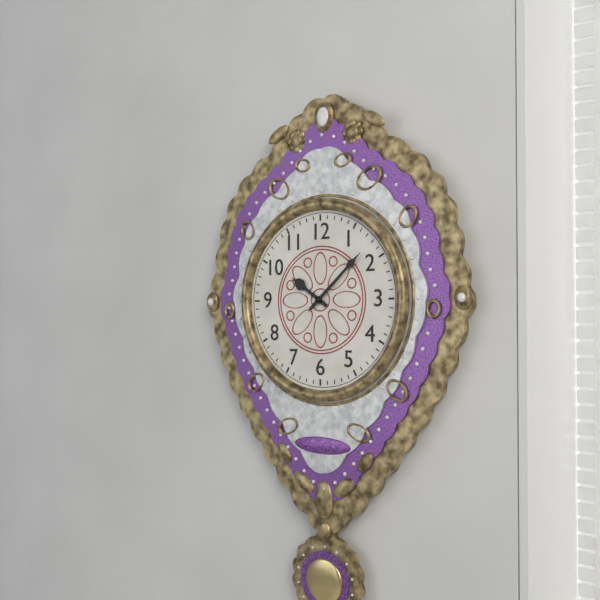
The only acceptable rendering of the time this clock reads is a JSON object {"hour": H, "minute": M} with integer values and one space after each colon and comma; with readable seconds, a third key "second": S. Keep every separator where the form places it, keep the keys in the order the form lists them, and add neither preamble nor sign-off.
{"hour": 10, "minute": 8}
